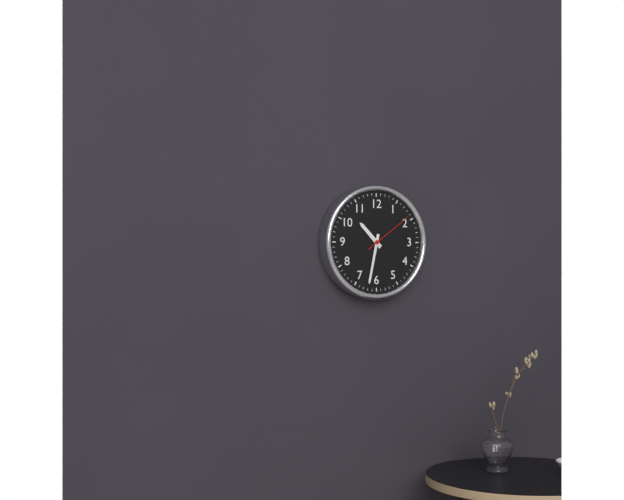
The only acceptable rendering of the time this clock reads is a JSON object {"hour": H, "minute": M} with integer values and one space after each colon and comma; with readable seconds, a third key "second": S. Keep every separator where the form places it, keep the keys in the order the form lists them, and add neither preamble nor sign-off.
{"hour": 10, "minute": 32, "second": 9}
